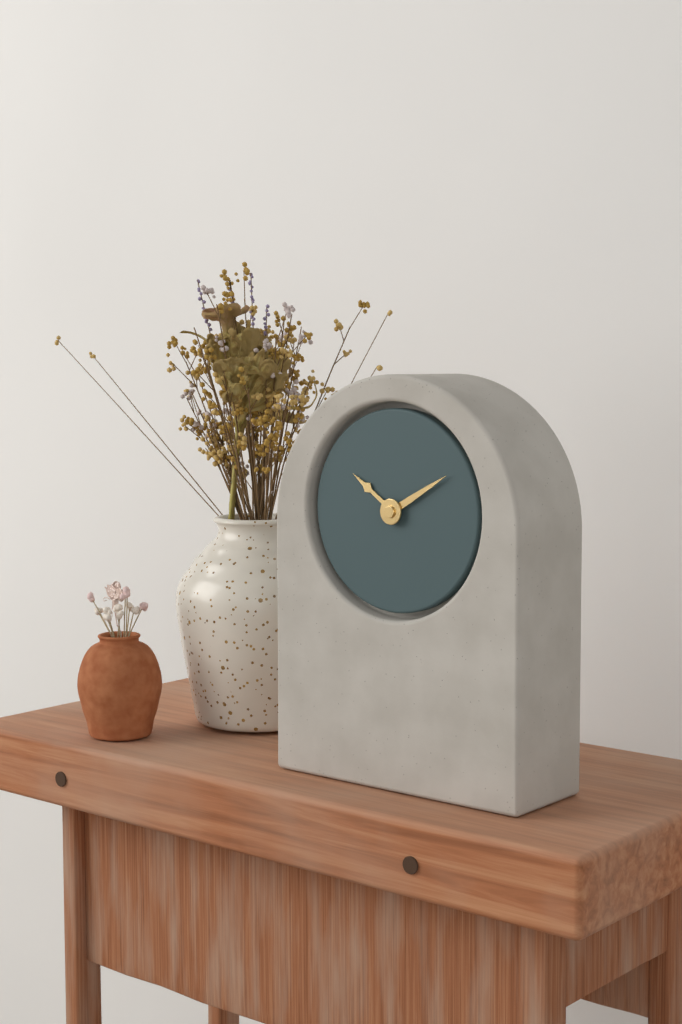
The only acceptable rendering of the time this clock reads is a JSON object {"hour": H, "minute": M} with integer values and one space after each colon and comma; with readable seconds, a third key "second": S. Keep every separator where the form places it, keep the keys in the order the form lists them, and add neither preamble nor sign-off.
{"hour": 10, "minute": 10}
